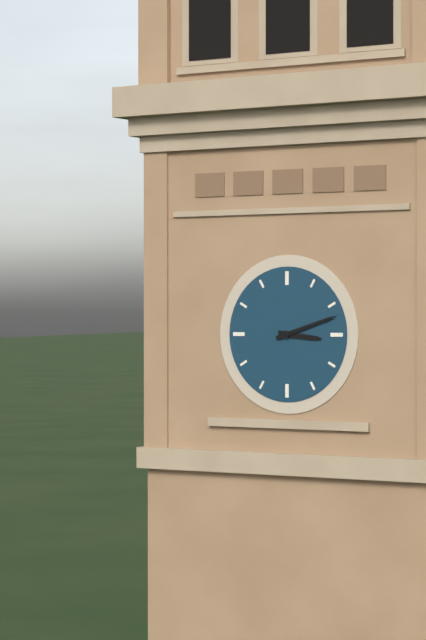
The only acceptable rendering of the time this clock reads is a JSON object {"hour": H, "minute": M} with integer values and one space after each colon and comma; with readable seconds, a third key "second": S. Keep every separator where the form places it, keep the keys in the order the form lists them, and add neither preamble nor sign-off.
{"hour": 3, "minute": 12}
